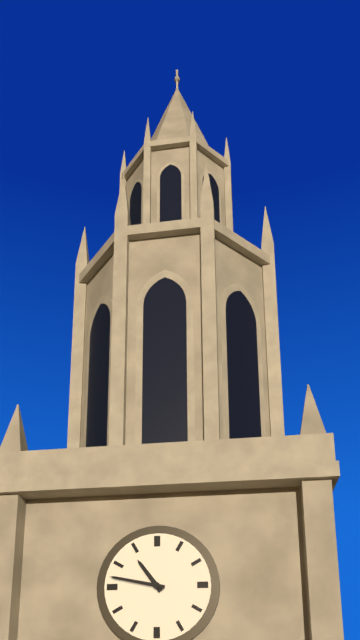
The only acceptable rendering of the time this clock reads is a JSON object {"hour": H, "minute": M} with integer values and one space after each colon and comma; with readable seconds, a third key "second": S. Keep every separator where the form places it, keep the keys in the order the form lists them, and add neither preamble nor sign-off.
{"hour": 10, "minute": 47}
